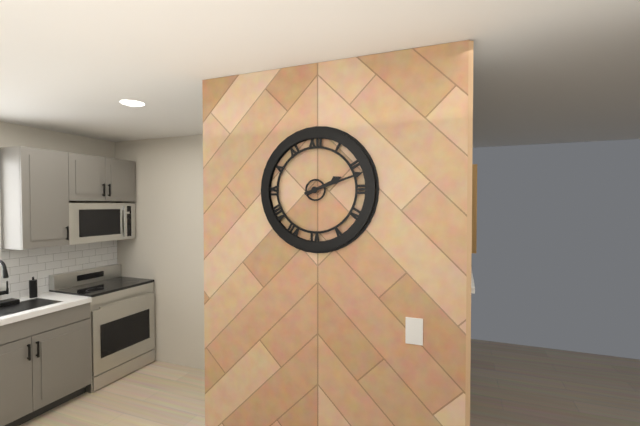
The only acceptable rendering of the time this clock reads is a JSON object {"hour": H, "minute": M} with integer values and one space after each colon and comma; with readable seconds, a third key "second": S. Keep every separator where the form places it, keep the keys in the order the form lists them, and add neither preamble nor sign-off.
{"hour": 2, "minute": 12}
